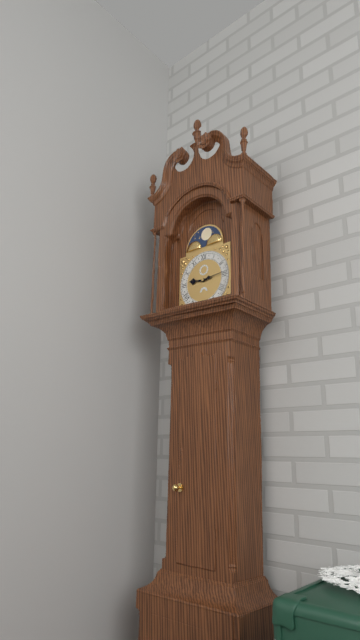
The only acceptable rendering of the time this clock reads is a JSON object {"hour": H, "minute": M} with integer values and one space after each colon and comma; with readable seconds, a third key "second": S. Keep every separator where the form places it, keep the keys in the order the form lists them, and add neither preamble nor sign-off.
{"hour": 9, "minute": 14}
